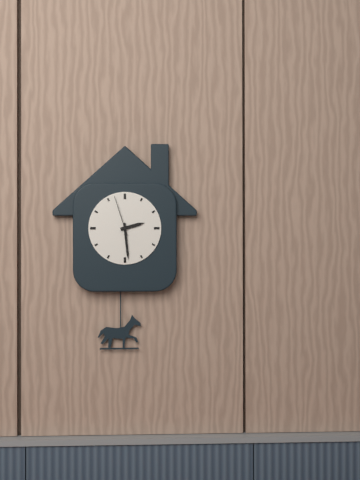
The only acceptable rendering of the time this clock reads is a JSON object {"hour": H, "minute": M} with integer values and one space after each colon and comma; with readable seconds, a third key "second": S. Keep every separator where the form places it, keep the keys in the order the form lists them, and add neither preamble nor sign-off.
{"hour": 2, "minute": 29}
